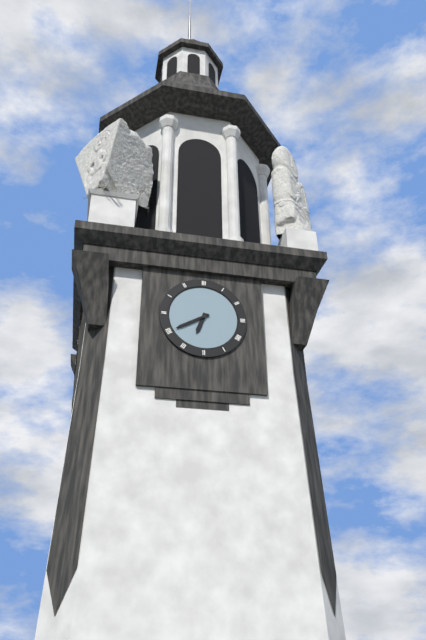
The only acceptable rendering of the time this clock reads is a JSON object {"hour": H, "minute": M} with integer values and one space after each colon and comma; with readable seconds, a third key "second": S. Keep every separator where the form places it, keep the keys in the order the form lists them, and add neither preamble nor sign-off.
{"hour": 6, "minute": 40}
